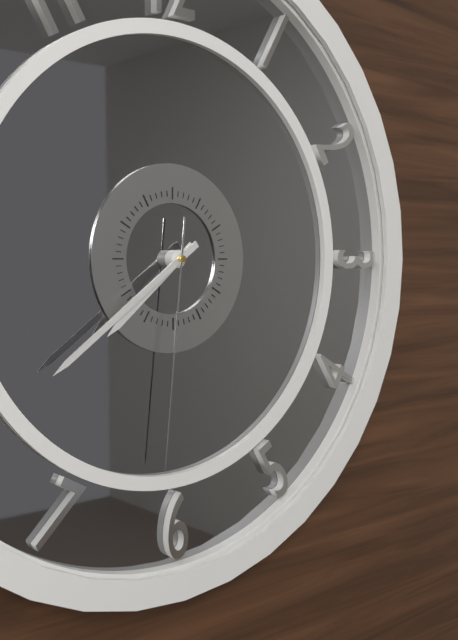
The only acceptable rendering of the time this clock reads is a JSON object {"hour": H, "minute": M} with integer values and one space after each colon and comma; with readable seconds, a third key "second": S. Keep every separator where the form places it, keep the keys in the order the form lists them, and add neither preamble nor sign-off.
{"hour": 7, "minute": 39, "second": 31}
